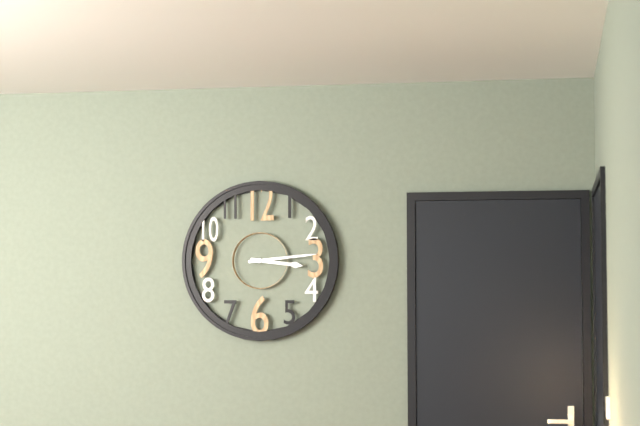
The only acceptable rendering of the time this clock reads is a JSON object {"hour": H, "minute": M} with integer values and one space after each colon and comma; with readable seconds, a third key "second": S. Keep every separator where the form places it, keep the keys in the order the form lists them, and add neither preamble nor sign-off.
{"hour": 3, "minute": 14}
